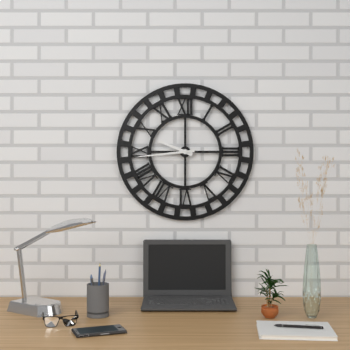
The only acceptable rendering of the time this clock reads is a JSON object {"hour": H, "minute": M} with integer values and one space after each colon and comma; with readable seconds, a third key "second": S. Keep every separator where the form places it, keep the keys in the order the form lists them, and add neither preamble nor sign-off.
{"hour": 9, "minute": 44}
